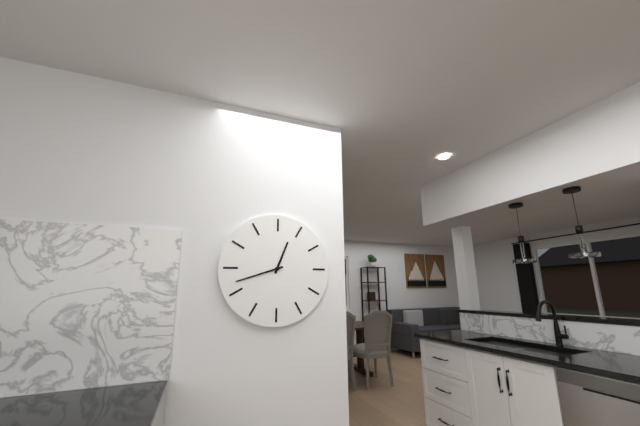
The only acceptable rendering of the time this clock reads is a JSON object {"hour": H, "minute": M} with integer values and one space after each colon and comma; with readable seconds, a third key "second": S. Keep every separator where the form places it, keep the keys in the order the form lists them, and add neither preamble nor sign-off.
{"hour": 12, "minute": 42}
